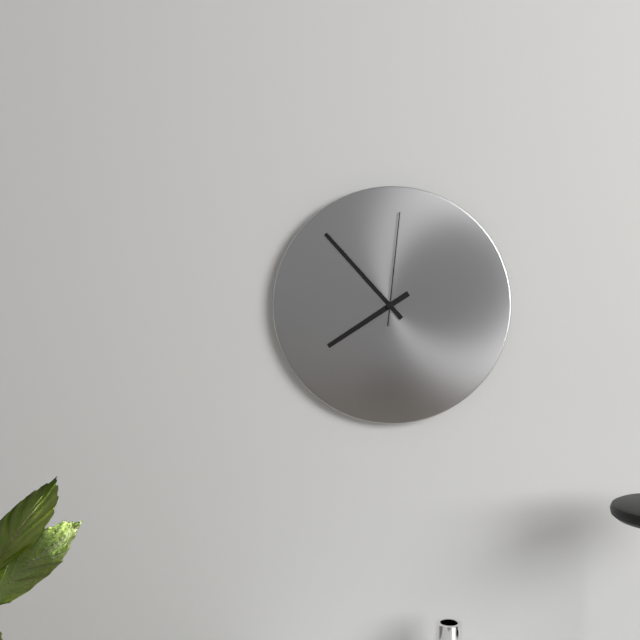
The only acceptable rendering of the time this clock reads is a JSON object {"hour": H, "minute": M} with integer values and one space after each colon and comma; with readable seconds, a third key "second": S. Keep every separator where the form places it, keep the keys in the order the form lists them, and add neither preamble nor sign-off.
{"hour": 7, "minute": 53, "second": 1}
